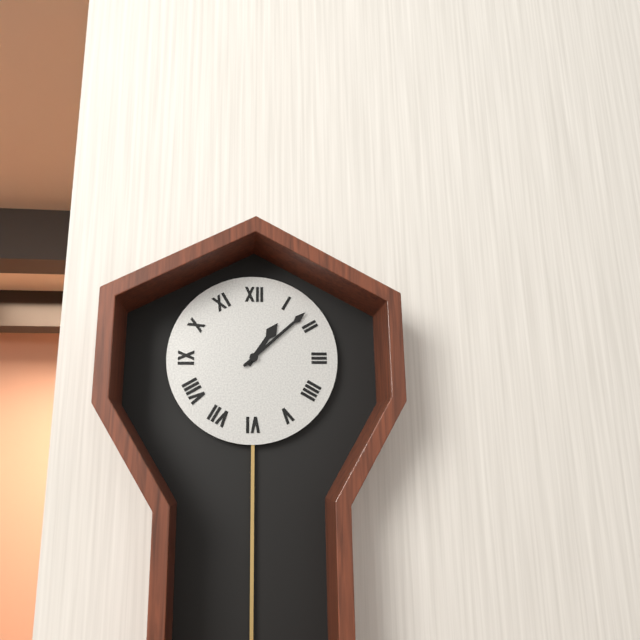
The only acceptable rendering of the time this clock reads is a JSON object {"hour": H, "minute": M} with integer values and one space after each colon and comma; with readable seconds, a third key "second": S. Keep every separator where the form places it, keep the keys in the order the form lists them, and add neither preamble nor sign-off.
{"hour": 1, "minute": 8}
